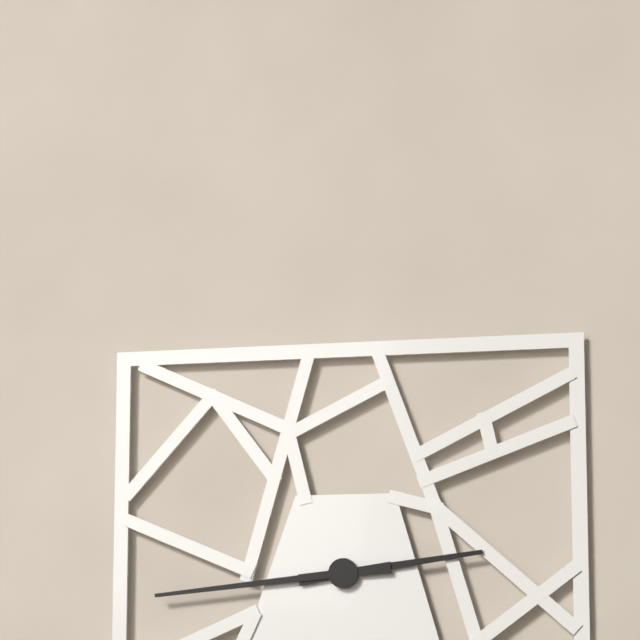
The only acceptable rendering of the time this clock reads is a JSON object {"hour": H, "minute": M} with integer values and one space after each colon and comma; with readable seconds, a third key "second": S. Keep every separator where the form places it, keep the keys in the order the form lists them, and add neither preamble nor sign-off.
{"hour": 2, "minute": 44}
